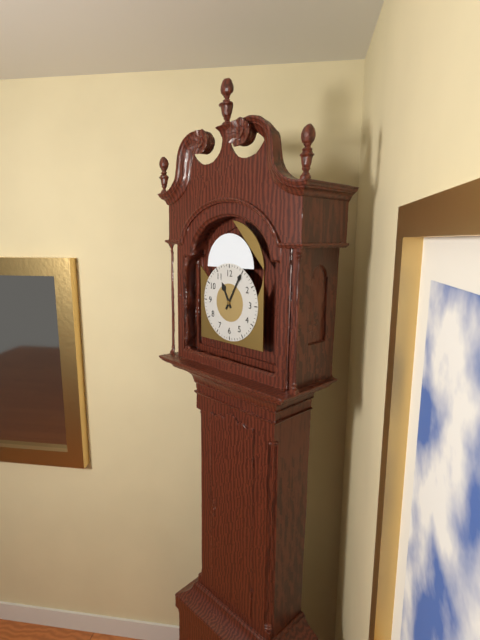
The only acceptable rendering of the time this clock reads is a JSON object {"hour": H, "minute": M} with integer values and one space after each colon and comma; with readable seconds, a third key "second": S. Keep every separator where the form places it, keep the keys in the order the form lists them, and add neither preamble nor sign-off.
{"hour": 11, "minute": 5}
